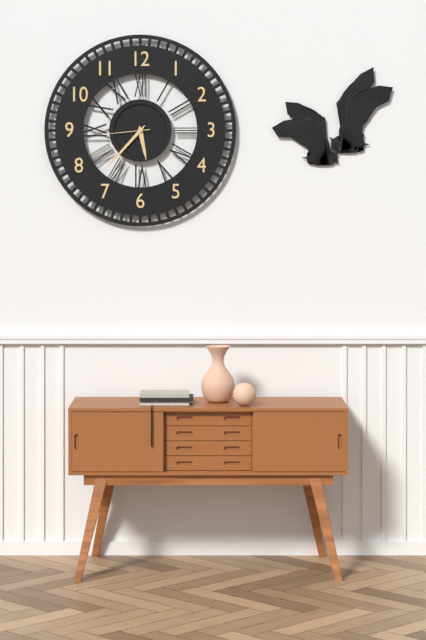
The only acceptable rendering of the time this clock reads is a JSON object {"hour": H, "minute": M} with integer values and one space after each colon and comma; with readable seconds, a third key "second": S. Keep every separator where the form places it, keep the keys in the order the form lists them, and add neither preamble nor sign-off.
{"hour": 5, "minute": 37}
